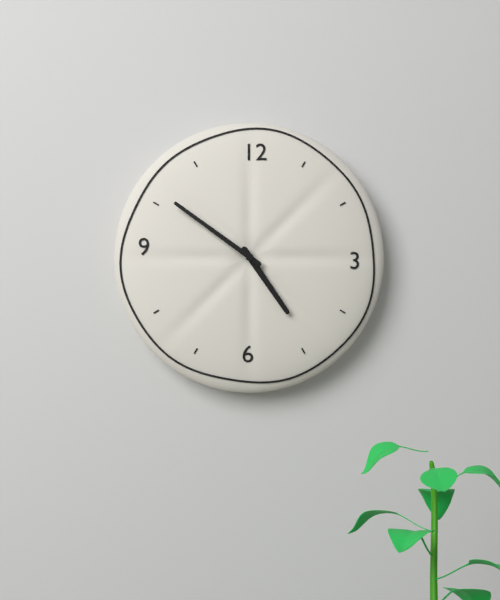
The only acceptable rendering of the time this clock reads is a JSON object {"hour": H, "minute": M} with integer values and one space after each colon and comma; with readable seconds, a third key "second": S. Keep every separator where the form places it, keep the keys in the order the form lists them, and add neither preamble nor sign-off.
{"hour": 4, "minute": 51}
